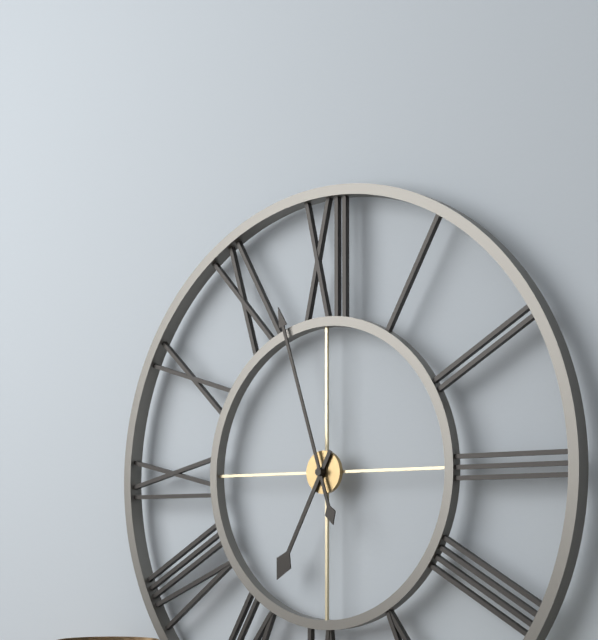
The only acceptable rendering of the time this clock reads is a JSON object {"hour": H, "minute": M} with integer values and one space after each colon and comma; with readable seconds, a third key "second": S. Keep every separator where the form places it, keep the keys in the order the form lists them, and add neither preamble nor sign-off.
{"hour": 6, "minute": 57}
